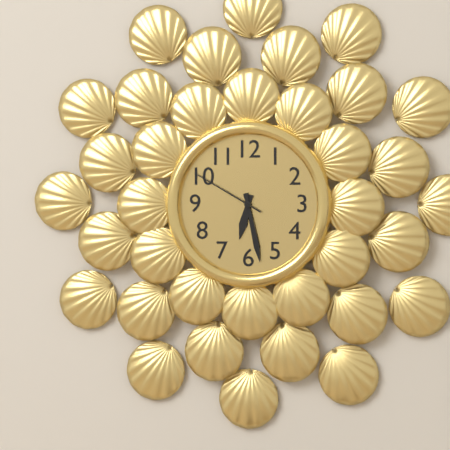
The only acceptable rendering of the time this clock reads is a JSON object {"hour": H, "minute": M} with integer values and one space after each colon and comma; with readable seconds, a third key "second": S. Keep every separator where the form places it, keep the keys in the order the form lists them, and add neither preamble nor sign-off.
{"hour": 6, "minute": 28, "second": 50}
